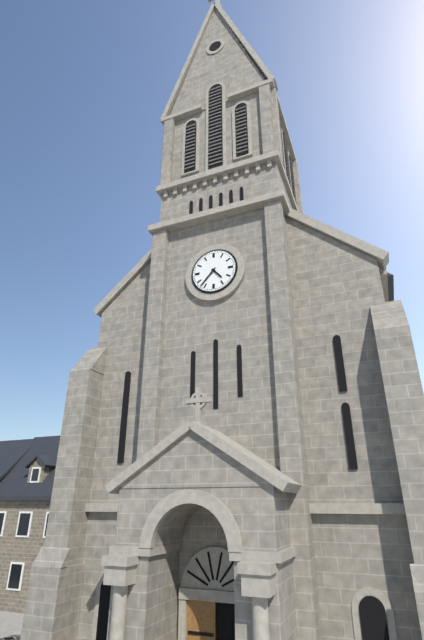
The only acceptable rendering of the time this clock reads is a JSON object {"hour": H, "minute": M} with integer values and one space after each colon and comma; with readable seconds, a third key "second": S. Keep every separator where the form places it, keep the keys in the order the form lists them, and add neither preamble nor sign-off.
{"hour": 4, "minute": 37}
